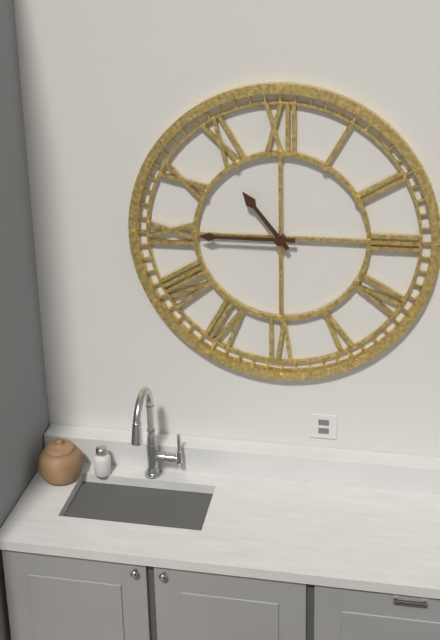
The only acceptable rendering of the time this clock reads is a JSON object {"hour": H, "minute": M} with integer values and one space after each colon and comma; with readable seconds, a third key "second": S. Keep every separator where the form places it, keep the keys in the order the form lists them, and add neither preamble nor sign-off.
{"hour": 10, "minute": 45}
